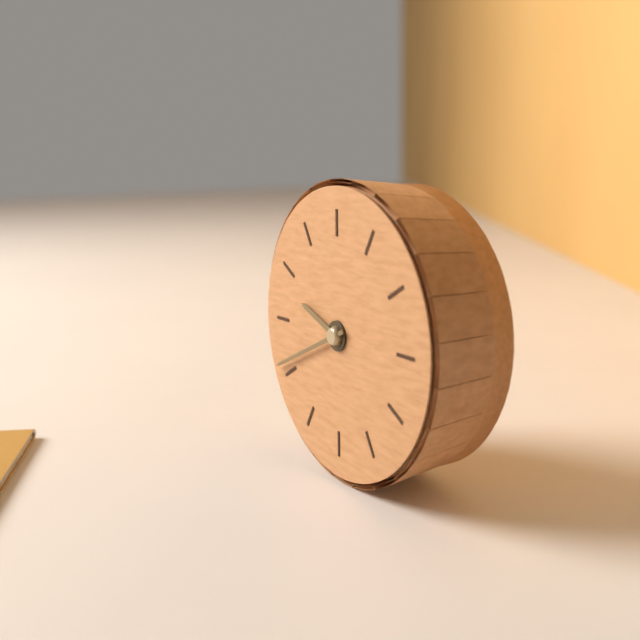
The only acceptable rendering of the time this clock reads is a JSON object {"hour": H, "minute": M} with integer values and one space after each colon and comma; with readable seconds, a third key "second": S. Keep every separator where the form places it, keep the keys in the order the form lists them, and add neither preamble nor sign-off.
{"hour": 9, "minute": 41}
